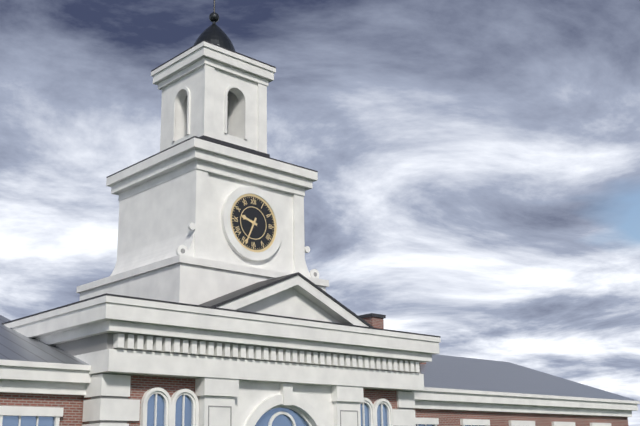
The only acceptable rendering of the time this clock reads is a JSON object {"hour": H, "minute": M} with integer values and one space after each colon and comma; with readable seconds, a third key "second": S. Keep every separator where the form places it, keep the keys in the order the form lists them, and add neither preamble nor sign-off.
{"hour": 9, "minute": 34}
